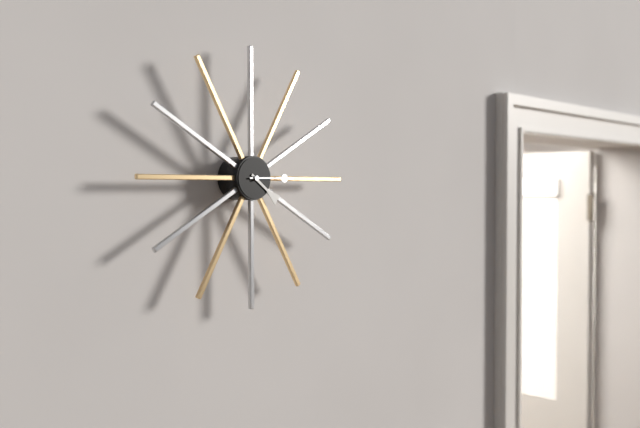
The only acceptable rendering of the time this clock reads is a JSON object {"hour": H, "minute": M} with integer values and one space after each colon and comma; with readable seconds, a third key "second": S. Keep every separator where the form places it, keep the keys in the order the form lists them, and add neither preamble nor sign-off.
{"hour": 4, "minute": 15}
